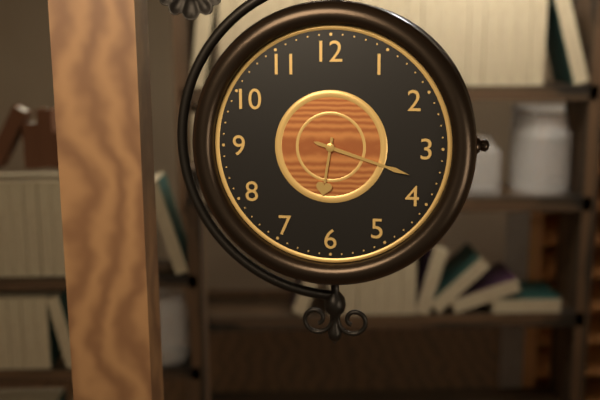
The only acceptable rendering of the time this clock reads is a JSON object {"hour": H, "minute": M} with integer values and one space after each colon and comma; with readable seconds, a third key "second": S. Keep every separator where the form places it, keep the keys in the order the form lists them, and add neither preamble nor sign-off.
{"hour": 6, "minute": 18}
